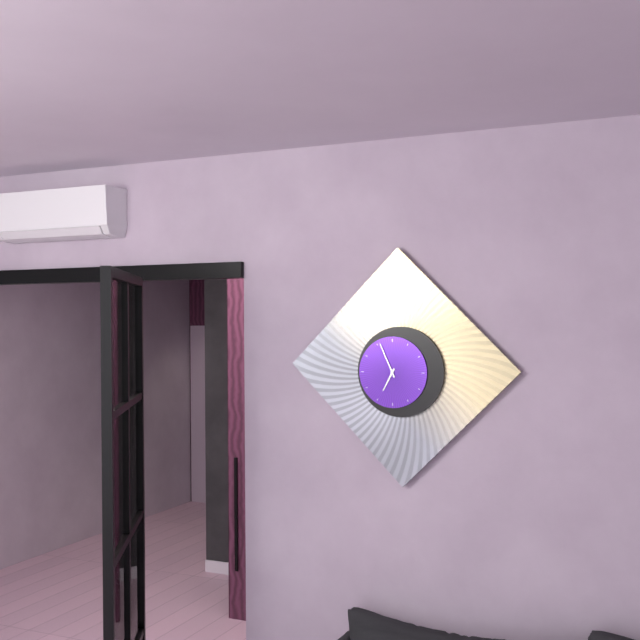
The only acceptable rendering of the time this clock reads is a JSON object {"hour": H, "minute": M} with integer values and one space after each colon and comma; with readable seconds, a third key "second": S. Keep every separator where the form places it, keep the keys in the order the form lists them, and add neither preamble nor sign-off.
{"hour": 6, "minute": 56}
